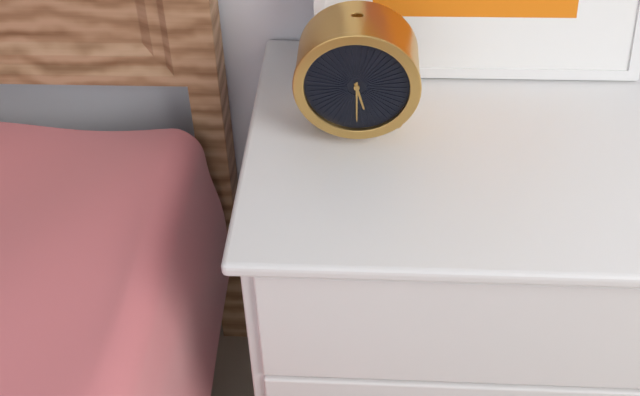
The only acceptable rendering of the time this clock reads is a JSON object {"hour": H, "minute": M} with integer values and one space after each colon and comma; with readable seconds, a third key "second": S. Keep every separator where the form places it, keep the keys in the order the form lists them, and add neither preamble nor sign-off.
{"hour": 5, "minute": 30}
